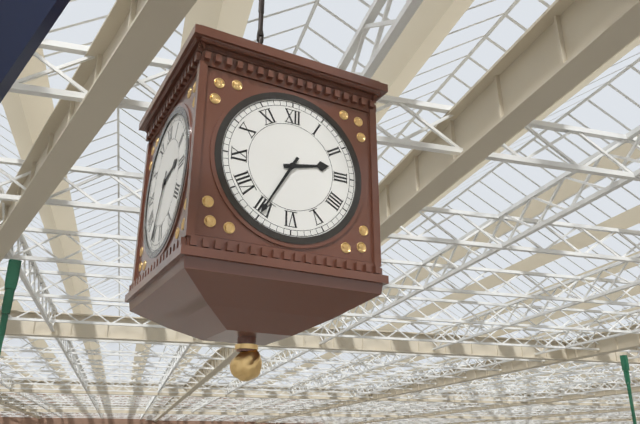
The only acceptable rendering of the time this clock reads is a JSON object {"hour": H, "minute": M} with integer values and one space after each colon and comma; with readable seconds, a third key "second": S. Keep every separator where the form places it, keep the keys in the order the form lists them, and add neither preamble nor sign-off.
{"hour": 2, "minute": 35}
